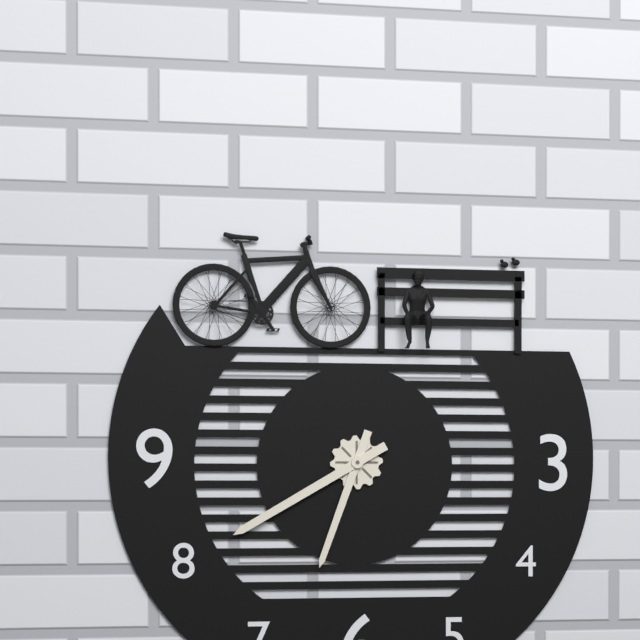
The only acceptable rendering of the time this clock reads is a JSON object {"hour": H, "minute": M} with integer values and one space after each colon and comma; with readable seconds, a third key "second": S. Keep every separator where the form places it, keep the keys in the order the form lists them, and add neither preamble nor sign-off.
{"hour": 6, "minute": 40}
